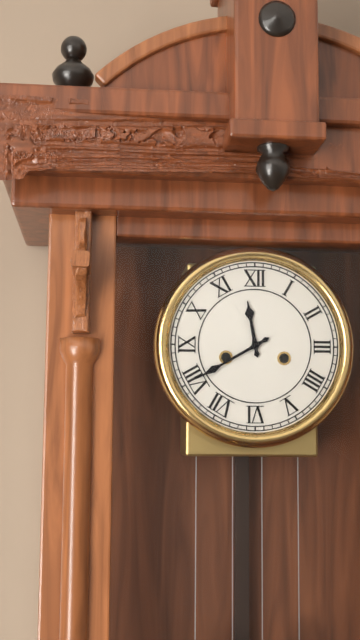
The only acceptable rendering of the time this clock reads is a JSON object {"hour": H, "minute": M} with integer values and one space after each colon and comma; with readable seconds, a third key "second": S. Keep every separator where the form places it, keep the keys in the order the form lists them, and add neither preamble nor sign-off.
{"hour": 11, "minute": 40}
